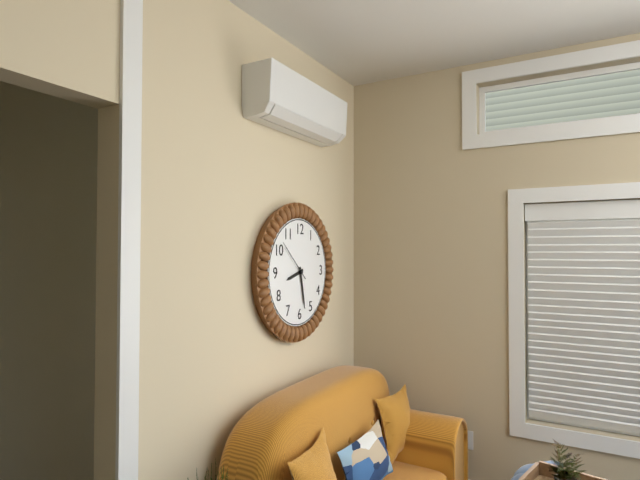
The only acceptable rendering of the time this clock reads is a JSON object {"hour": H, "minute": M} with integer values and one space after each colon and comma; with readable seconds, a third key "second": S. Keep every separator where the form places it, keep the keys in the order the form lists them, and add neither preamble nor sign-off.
{"hour": 8, "minute": 28}
